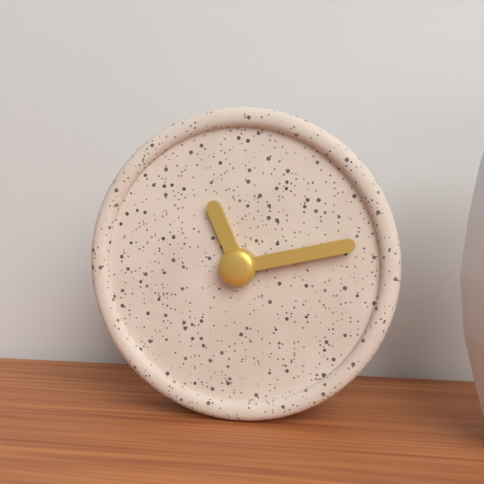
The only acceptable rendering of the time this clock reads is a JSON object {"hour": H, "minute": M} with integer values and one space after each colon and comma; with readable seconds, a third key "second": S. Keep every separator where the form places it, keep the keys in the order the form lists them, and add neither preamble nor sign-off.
{"hour": 11, "minute": 13}
